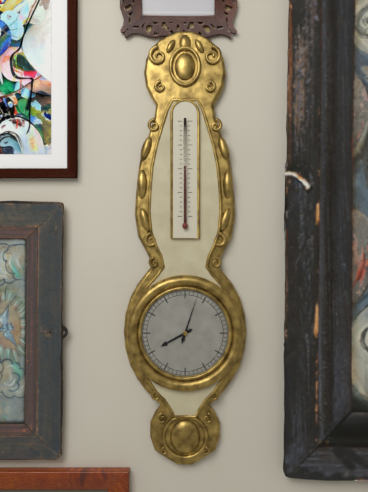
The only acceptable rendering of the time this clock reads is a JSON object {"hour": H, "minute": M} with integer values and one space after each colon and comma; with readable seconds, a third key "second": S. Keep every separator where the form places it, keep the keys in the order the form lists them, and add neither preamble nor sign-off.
{"hour": 8, "minute": 3}
